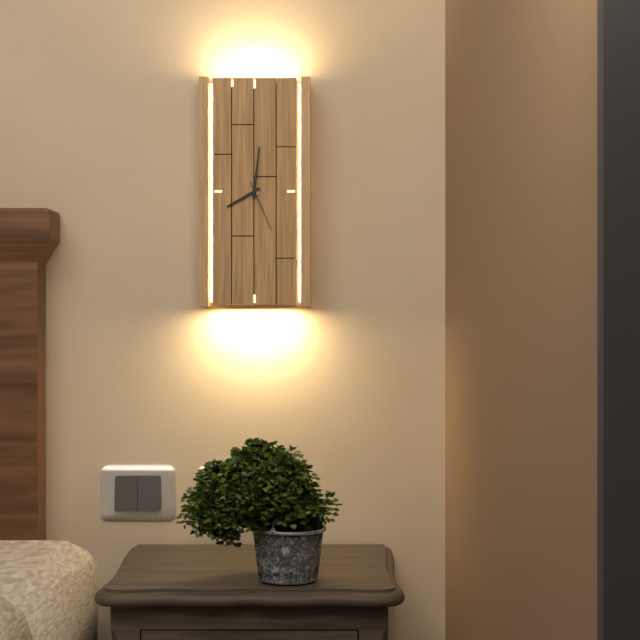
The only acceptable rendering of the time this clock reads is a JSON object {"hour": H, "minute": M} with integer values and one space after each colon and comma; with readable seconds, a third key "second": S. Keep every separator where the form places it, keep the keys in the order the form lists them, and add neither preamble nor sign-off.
{"hour": 8, "minute": 1, "second": 26}
